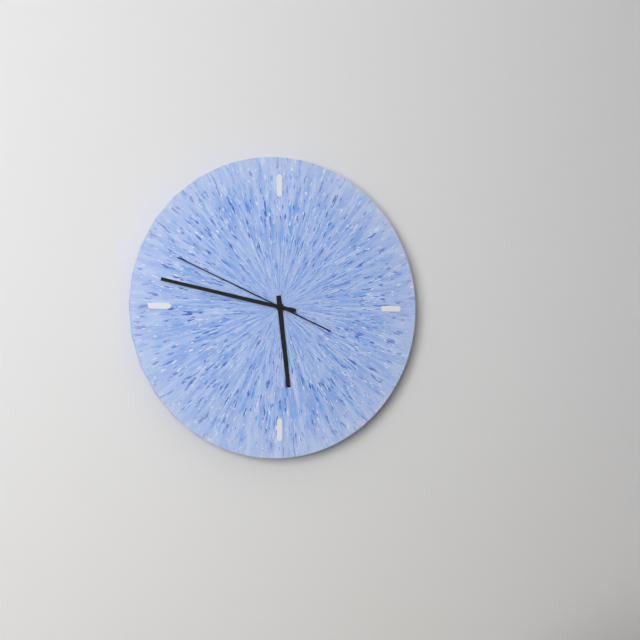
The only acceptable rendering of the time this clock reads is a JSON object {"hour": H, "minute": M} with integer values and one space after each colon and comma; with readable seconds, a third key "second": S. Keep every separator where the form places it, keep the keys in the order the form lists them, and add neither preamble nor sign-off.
{"hour": 5, "minute": 47, "second": 49}
